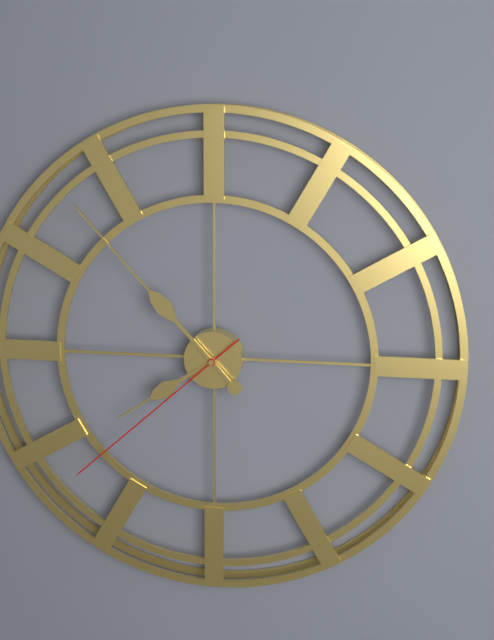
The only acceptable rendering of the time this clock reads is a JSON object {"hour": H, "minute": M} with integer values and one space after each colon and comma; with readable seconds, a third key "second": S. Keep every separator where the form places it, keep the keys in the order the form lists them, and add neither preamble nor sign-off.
{"hour": 7, "minute": 53, "second": 38}
